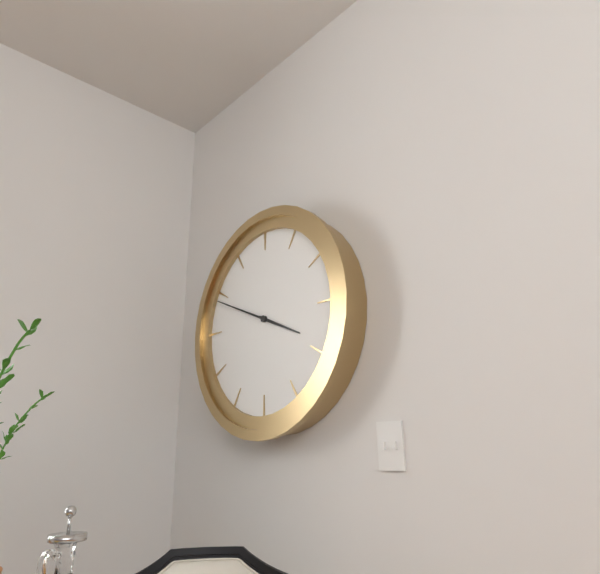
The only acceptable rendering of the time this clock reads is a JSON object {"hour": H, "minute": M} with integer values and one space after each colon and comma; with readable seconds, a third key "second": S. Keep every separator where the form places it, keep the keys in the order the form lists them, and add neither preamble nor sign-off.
{"hour": 3, "minute": 49}
